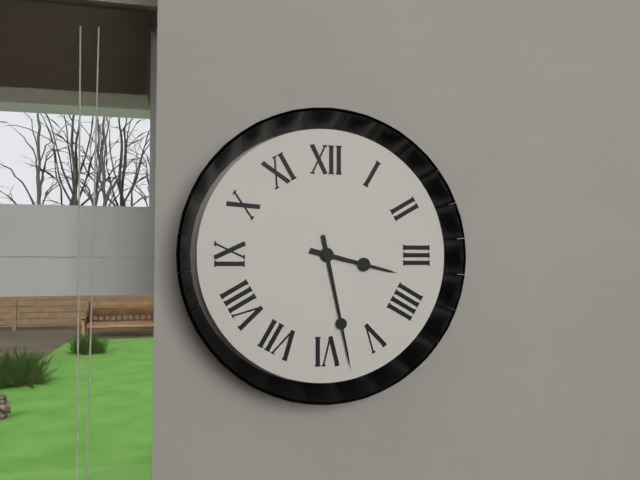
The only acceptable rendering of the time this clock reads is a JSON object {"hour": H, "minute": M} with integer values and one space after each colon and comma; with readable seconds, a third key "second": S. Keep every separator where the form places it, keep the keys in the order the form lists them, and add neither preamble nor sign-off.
{"hour": 3, "minute": 28}
